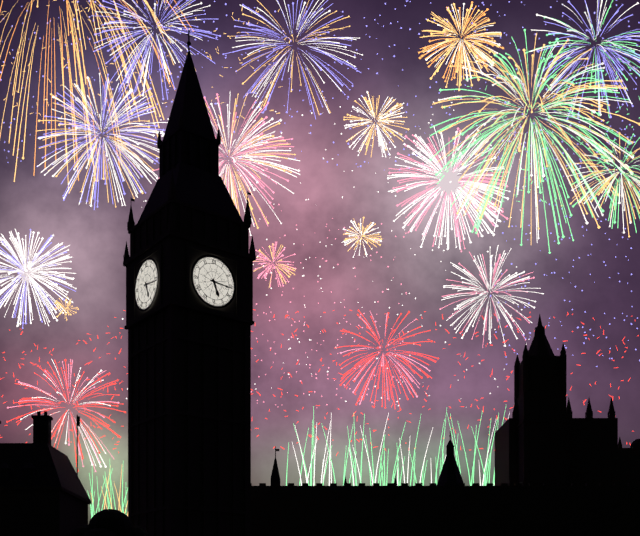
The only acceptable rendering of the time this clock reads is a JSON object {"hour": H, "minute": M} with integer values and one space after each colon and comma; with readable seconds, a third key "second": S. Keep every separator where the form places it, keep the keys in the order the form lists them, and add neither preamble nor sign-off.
{"hour": 5, "minute": 16}
